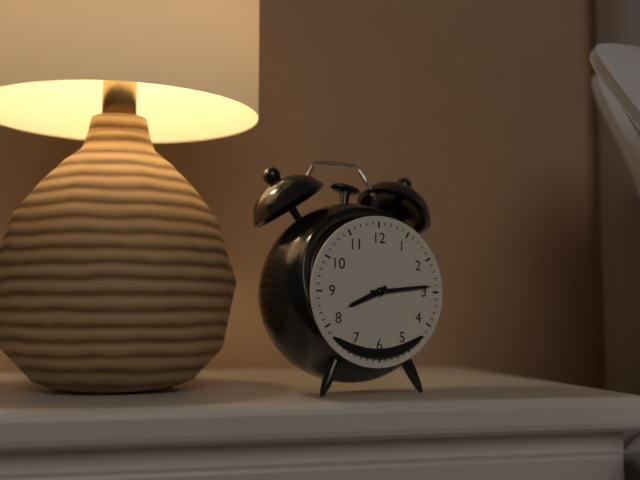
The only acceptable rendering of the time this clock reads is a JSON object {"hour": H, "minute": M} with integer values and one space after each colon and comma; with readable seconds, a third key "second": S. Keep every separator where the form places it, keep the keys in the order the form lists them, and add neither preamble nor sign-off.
{"hour": 8, "minute": 14}
